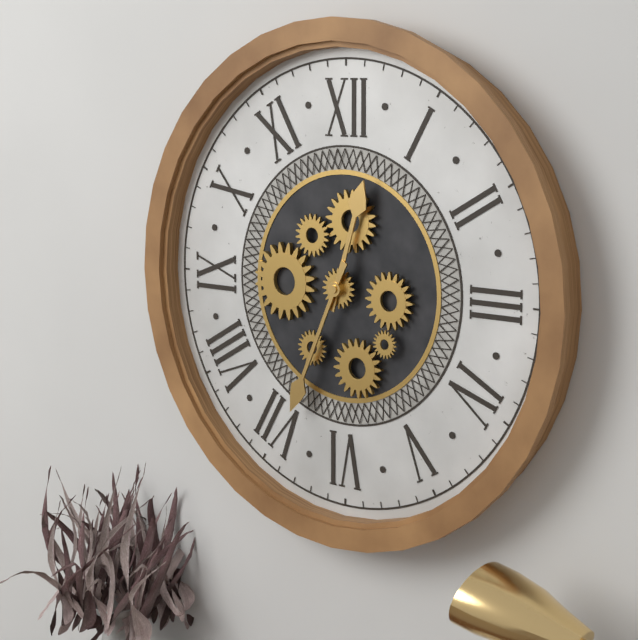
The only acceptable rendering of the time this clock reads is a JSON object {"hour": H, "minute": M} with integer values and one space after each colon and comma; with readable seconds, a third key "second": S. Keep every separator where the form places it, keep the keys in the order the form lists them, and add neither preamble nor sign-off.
{"hour": 12, "minute": 34}
